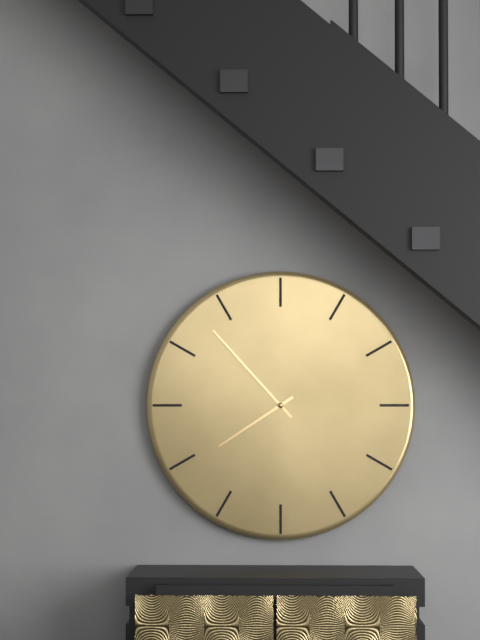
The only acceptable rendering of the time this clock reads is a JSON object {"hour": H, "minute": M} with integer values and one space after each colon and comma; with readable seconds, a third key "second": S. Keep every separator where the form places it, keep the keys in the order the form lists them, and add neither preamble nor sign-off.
{"hour": 7, "minute": 53}
